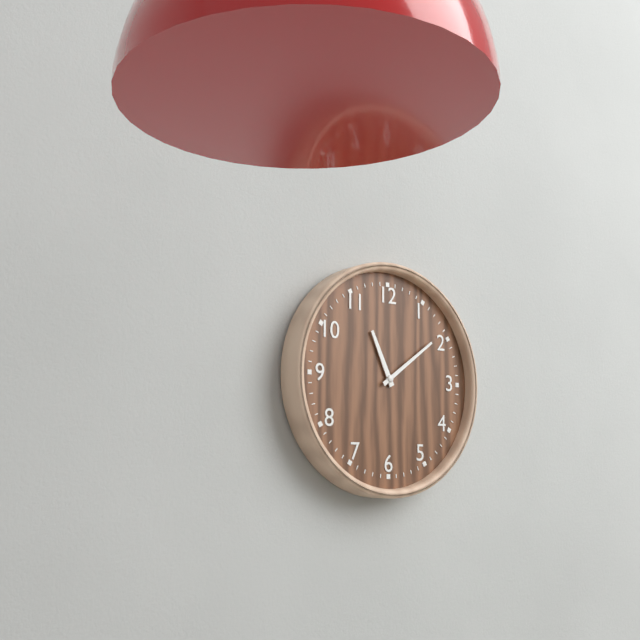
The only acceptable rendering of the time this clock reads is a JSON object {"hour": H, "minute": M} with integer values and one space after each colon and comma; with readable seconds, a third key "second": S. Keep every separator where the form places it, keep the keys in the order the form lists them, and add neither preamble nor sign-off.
{"hour": 11, "minute": 9}
